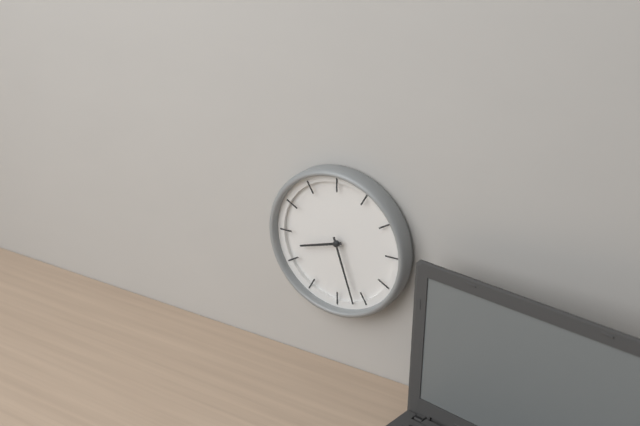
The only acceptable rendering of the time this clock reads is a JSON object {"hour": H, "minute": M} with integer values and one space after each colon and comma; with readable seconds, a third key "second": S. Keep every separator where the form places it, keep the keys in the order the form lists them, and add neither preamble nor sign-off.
{"hour": 8, "minute": 27}
